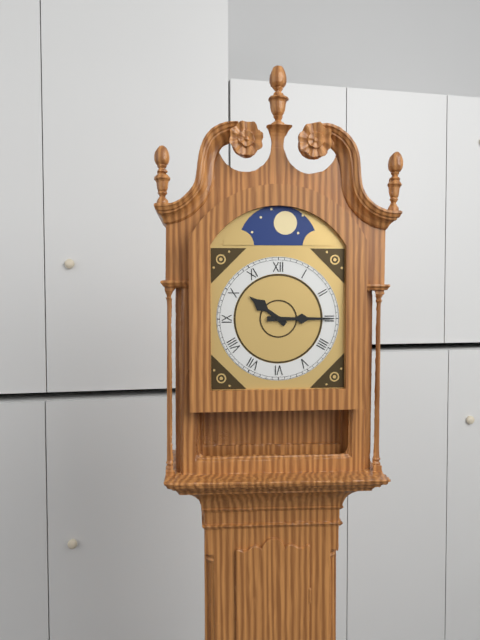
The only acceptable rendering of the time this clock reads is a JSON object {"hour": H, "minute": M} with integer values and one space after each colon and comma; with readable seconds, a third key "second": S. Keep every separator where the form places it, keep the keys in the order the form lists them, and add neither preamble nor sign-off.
{"hour": 10, "minute": 15}
